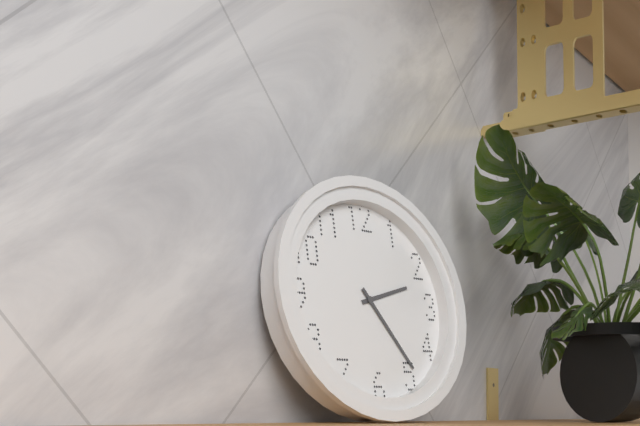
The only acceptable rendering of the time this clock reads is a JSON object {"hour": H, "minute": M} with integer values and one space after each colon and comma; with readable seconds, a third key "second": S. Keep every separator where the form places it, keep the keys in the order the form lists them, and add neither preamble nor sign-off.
{"hour": 2, "minute": 24}
